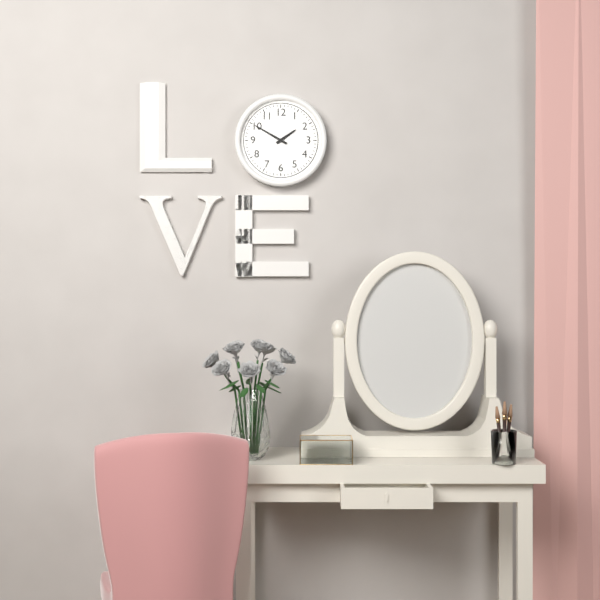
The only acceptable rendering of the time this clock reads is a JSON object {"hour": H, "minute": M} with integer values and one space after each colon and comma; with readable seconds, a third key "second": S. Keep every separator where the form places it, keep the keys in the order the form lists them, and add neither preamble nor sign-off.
{"hour": 1, "minute": 50}
